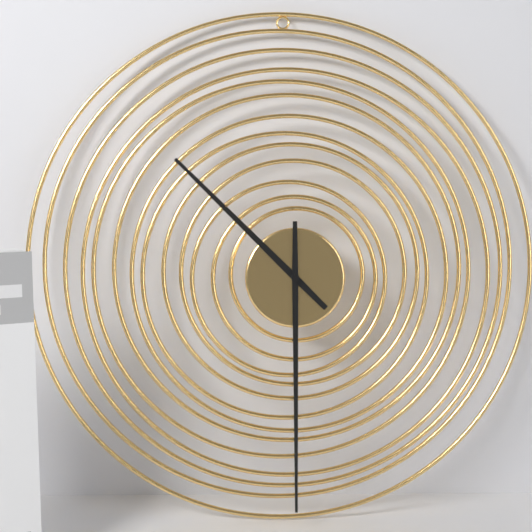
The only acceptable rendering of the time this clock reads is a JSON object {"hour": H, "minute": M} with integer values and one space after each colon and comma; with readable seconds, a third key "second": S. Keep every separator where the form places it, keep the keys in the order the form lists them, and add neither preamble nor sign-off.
{"hour": 10, "minute": 30}
